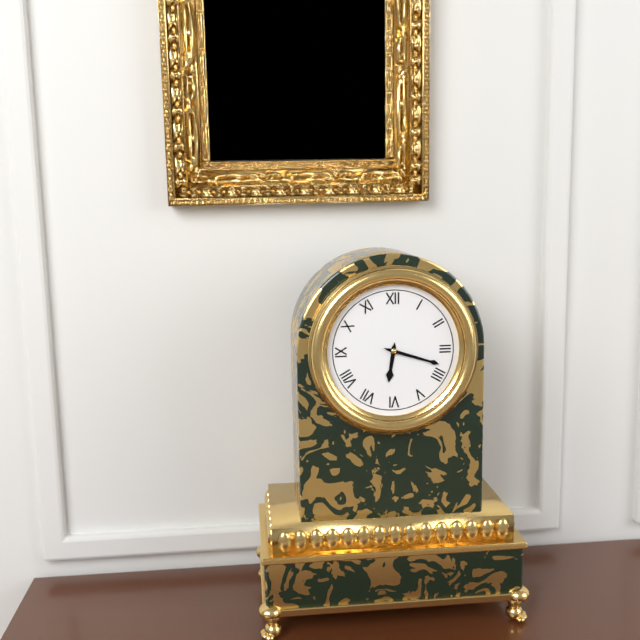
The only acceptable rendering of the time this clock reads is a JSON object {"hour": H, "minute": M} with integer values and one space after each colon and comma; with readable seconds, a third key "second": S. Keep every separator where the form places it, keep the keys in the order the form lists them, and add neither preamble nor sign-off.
{"hour": 6, "minute": 18}
